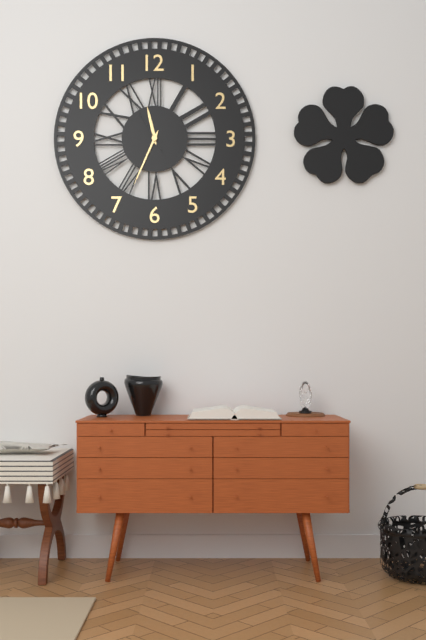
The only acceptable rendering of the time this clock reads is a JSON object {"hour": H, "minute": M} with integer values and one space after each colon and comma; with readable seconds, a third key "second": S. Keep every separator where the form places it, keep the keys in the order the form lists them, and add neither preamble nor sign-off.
{"hour": 11, "minute": 34, "second": 55}
